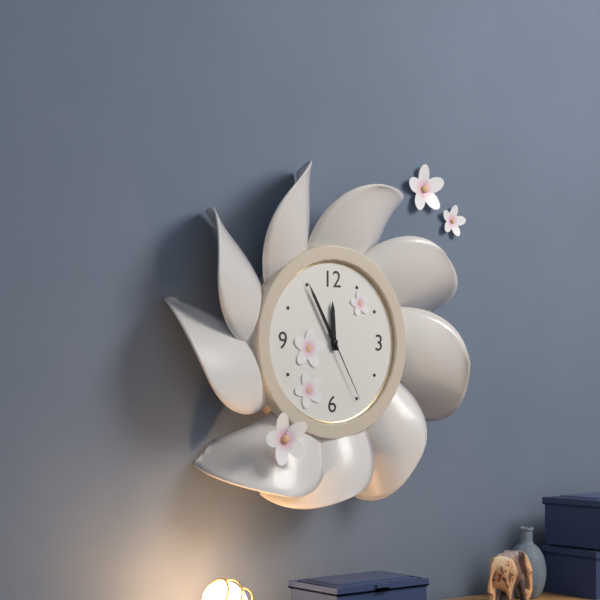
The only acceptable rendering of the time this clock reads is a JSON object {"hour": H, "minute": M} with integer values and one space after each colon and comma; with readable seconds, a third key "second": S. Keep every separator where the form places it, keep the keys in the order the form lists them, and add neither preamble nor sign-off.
{"hour": 11, "minute": 55, "second": 25}
